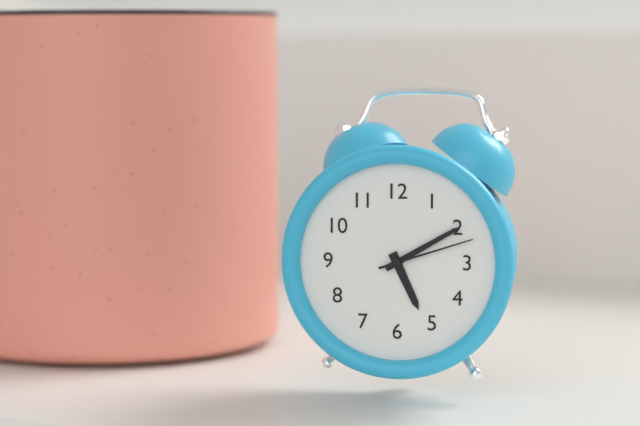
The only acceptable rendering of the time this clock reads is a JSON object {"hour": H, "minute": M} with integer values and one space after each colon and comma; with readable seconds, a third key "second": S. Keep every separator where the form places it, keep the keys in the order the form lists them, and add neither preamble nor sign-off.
{"hour": 5, "minute": 10, "second": 12}
